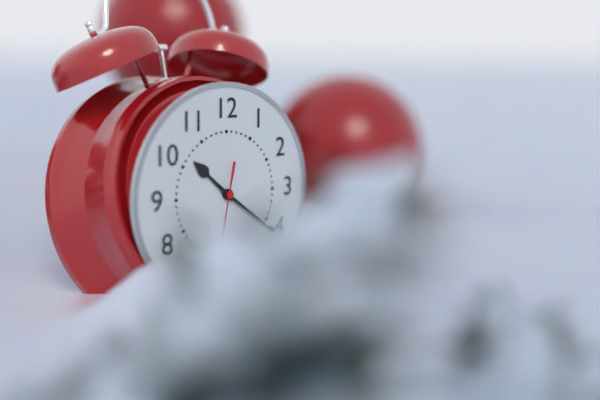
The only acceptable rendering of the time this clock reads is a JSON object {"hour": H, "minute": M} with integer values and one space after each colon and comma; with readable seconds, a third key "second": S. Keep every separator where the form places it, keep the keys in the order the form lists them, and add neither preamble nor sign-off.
{"hour": 10, "minute": 21}
